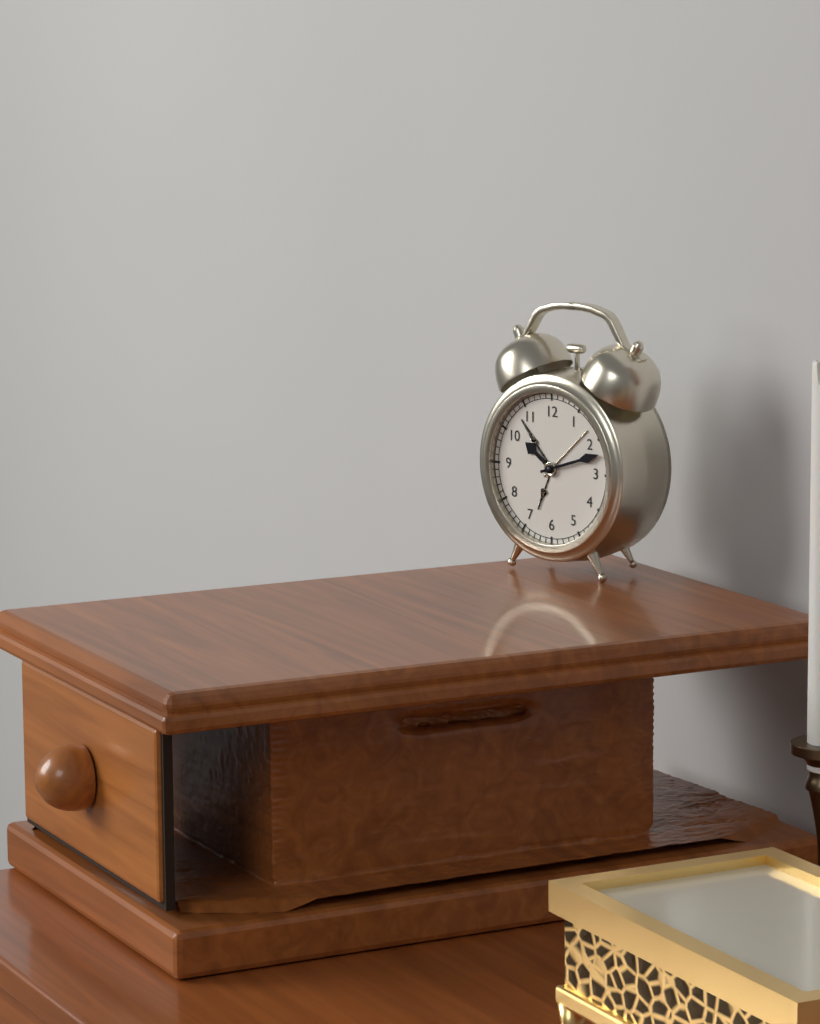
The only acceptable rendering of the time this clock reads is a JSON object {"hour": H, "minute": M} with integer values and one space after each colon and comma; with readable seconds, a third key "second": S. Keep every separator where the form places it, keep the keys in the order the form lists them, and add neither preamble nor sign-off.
{"hour": 10, "minute": 12}
